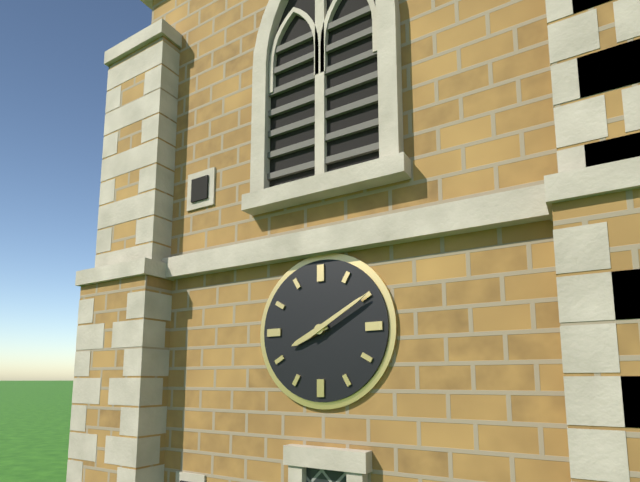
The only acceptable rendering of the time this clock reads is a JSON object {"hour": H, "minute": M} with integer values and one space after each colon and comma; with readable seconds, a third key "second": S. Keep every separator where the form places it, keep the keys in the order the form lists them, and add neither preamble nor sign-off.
{"hour": 8, "minute": 10}
